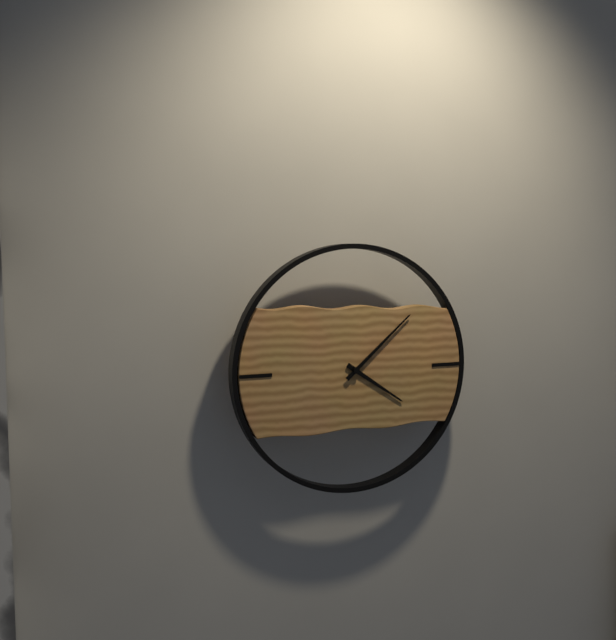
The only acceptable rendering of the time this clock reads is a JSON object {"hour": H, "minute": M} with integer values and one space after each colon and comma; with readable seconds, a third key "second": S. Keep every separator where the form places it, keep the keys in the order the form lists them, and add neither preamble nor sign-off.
{"hour": 4, "minute": 8}
